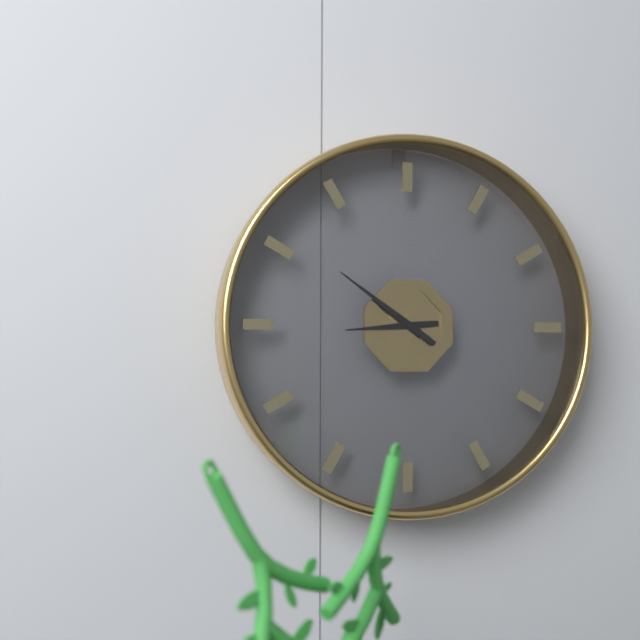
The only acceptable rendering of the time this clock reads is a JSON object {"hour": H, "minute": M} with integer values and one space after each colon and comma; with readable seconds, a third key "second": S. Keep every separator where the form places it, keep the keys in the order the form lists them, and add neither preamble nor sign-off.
{"hour": 8, "minute": 51}
